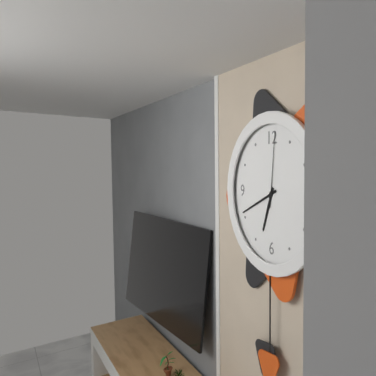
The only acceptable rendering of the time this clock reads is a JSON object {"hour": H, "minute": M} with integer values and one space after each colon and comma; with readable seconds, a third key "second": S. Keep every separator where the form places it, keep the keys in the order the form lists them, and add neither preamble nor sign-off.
{"hour": 6, "minute": 41, "second": 1}
